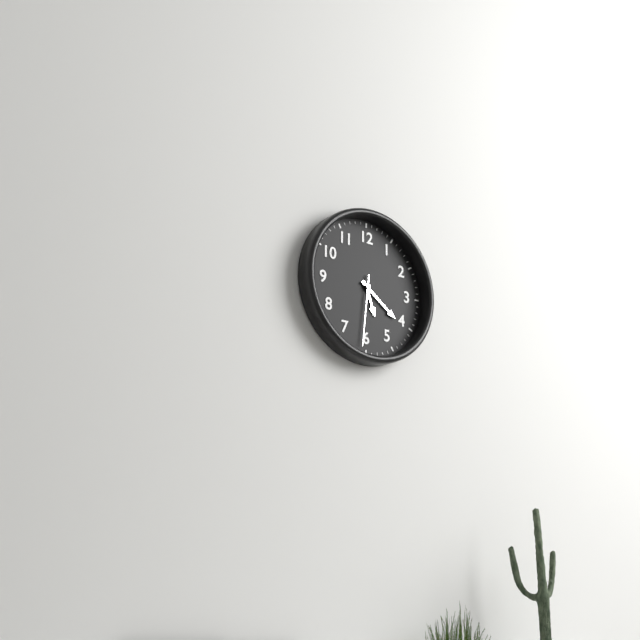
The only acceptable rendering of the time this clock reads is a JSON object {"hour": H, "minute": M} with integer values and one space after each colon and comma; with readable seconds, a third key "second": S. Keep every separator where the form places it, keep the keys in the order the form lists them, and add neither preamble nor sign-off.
{"hour": 5, "minute": 21, "second": 31}
